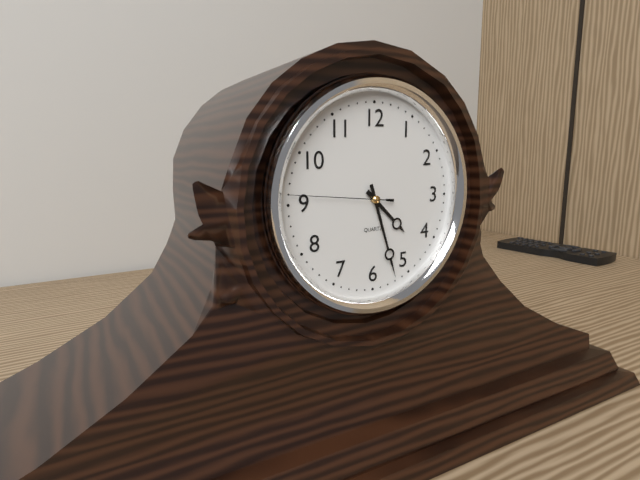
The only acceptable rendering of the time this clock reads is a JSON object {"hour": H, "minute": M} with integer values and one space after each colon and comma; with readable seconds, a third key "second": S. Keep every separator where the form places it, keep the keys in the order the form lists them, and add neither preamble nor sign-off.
{"hour": 4, "minute": 27, "second": 46}
